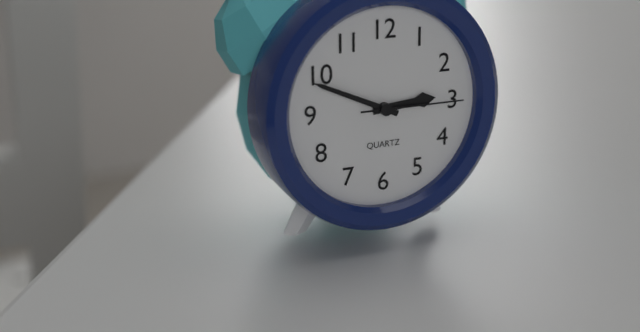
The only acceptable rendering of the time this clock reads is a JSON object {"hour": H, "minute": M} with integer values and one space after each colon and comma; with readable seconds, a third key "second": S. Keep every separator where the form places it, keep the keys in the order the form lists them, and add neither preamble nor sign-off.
{"hour": 2, "minute": 49, "second": 15}
